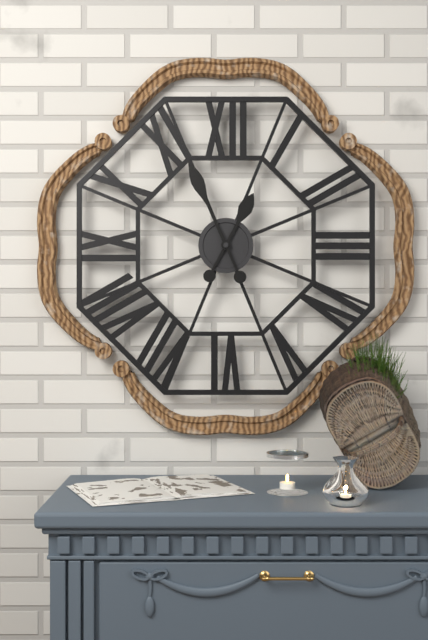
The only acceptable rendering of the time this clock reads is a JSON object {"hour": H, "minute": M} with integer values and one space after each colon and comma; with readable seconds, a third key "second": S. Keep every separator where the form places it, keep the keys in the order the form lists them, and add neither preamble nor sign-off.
{"hour": 12, "minute": 56}
